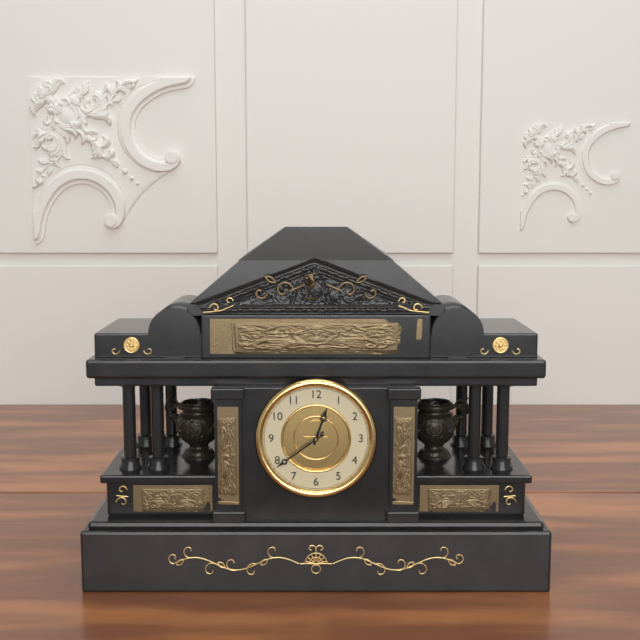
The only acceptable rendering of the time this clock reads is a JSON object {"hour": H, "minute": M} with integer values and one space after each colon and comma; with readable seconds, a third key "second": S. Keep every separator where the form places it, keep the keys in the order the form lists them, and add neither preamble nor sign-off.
{"hour": 12, "minute": 39}
